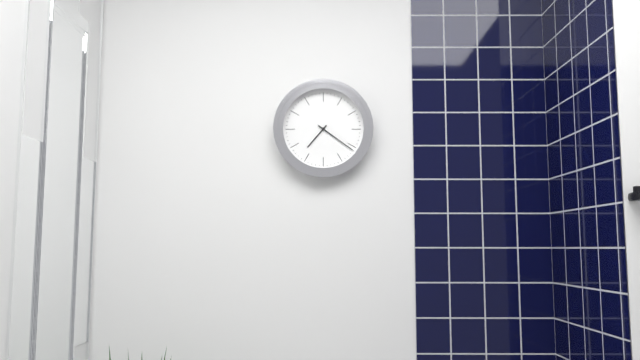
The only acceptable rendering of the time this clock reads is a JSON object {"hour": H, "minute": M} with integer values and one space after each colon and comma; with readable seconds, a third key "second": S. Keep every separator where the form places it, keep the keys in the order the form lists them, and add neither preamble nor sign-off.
{"hour": 7, "minute": 21}
